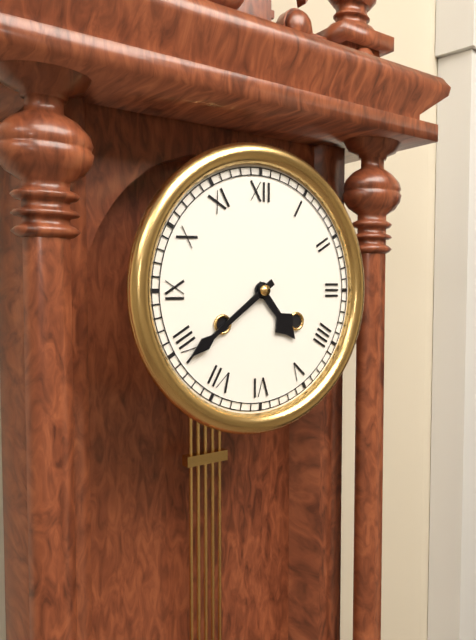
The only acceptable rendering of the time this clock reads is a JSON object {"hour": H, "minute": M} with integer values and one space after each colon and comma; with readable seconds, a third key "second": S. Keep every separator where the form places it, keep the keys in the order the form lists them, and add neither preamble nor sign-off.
{"hour": 4, "minute": 39}
